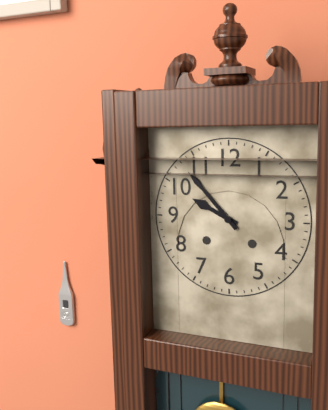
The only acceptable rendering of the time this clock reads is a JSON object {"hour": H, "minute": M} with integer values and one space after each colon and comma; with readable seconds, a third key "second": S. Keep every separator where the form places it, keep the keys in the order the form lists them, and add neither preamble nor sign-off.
{"hour": 9, "minute": 53}
